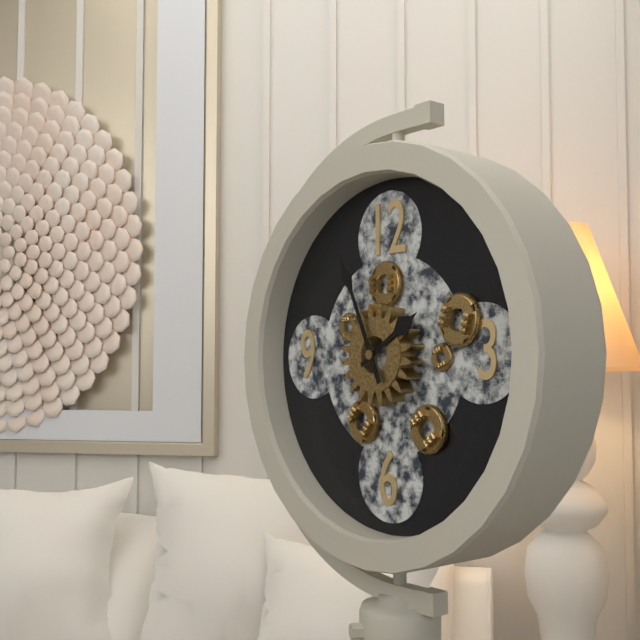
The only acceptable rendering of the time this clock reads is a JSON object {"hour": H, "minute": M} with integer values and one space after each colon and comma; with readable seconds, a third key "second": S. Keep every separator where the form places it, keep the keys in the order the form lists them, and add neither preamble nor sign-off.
{"hour": 1, "minute": 56}
